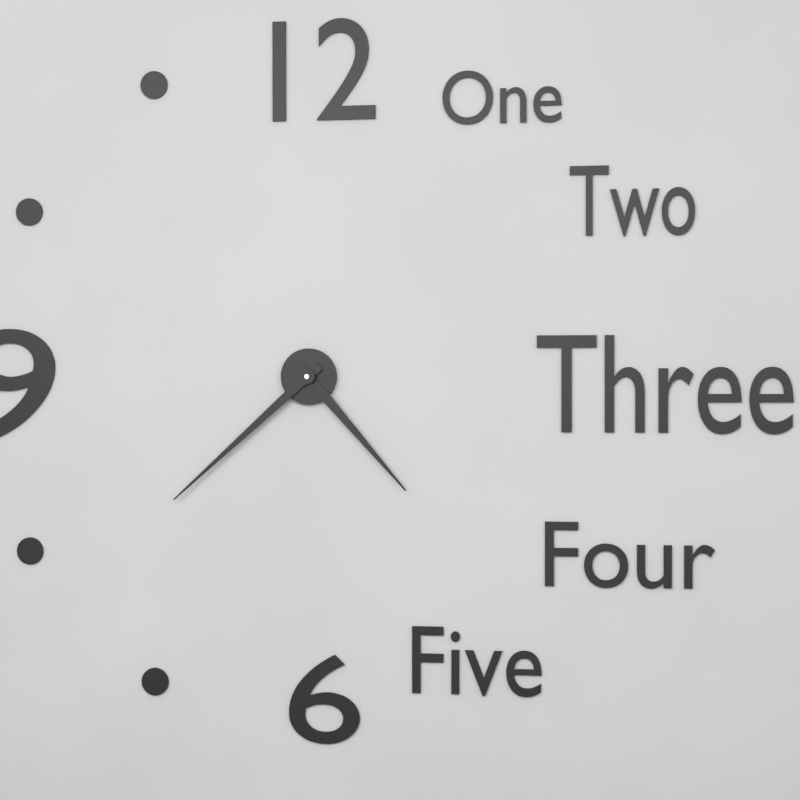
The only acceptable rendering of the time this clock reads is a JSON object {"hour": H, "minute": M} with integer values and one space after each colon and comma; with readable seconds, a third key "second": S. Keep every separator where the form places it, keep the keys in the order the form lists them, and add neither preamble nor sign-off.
{"hour": 4, "minute": 38}
